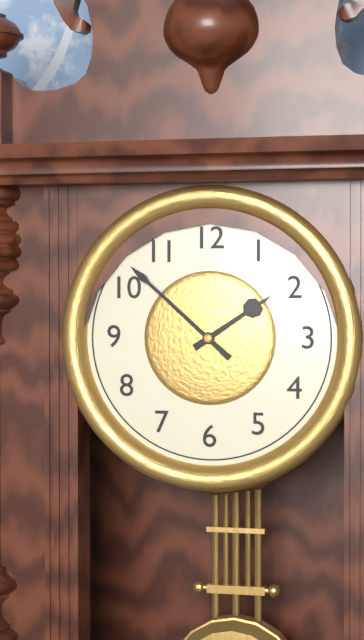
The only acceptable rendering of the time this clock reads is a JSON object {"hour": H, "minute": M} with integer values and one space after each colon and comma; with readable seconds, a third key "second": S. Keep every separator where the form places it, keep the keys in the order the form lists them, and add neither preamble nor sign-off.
{"hour": 1, "minute": 52}
